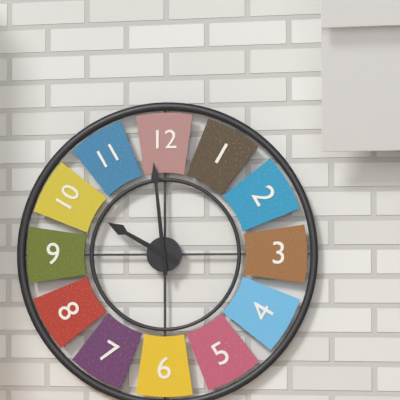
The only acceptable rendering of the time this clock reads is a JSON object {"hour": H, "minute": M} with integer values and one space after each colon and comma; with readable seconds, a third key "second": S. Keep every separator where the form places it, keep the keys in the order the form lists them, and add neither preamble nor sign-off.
{"hour": 9, "minute": 59}
